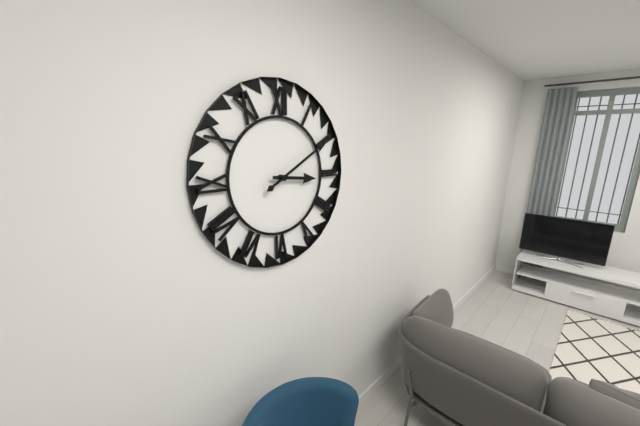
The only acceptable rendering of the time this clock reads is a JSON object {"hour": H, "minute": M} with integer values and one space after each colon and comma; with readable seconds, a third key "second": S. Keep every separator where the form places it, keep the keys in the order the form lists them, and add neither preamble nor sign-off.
{"hour": 3, "minute": 10}
